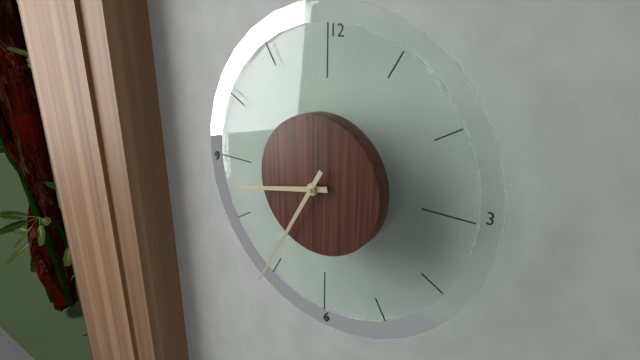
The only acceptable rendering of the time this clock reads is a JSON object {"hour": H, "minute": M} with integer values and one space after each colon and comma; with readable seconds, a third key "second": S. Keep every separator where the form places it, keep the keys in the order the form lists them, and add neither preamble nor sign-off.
{"hour": 8, "minute": 35}
